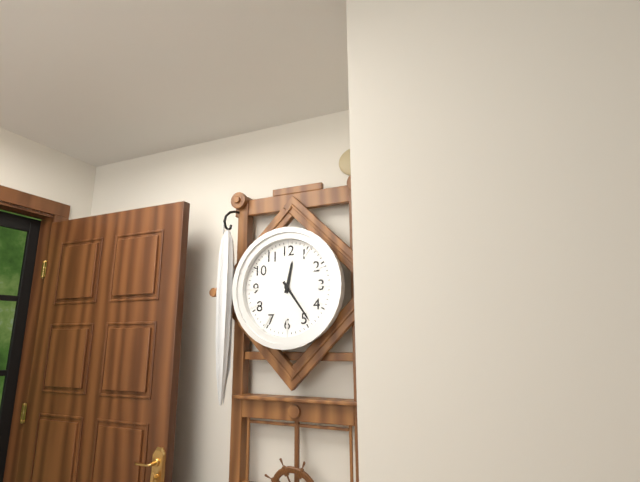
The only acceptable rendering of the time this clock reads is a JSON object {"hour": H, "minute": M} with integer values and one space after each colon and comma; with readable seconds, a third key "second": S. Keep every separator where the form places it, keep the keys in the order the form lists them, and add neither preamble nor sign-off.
{"hour": 12, "minute": 24}
